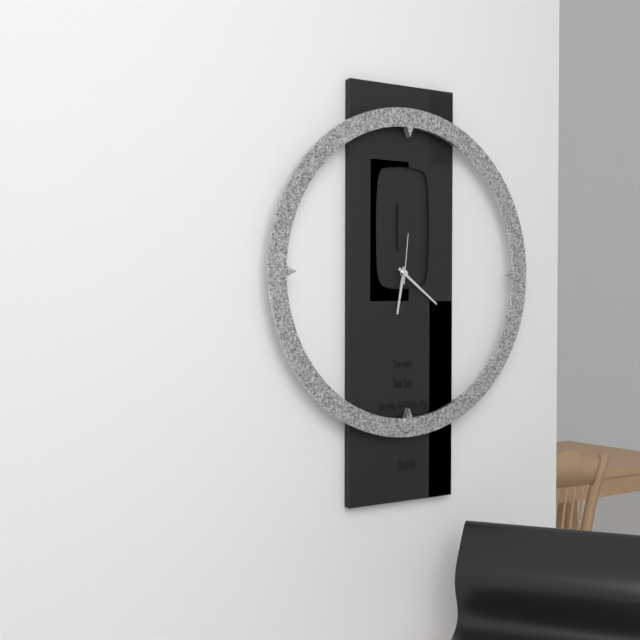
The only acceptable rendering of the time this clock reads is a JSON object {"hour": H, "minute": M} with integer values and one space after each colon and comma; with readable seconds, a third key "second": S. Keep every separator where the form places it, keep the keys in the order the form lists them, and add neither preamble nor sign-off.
{"hour": 6, "minute": 21, "second": 1}
